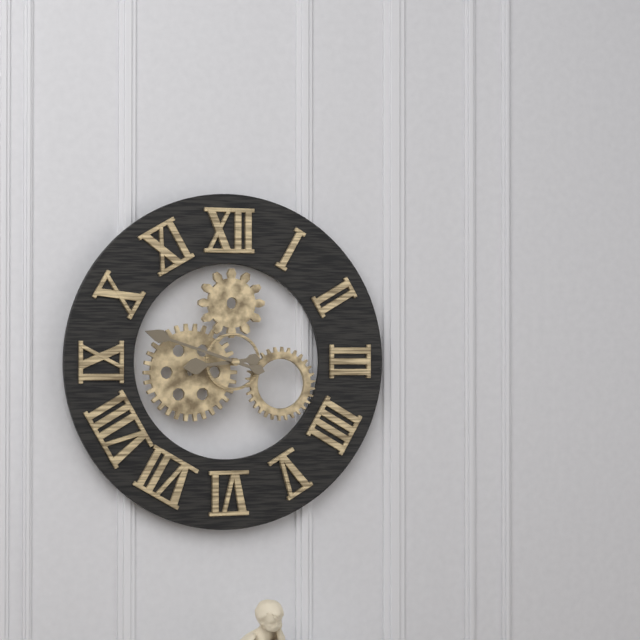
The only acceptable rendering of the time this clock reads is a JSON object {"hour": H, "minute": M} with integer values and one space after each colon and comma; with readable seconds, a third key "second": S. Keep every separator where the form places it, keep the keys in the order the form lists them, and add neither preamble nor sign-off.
{"hour": 8, "minute": 48}
